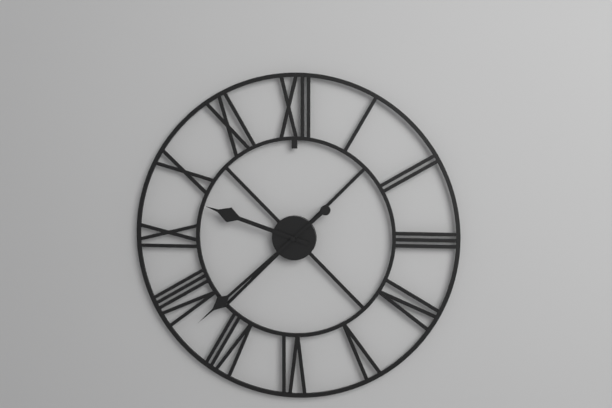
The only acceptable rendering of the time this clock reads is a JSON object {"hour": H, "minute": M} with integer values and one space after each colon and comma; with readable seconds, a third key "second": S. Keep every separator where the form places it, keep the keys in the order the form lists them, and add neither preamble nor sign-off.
{"hour": 9, "minute": 38}
